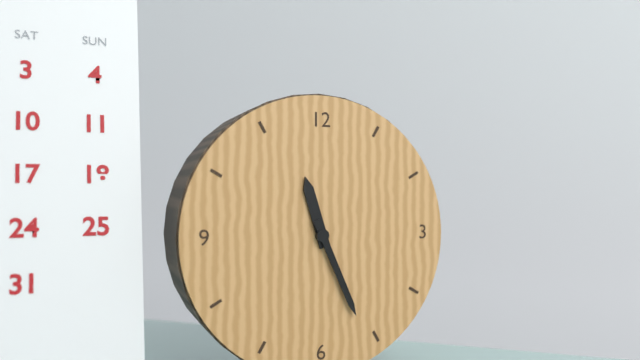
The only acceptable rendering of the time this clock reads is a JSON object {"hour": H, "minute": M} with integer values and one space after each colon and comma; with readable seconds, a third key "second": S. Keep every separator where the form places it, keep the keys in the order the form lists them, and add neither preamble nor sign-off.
{"hour": 11, "minute": 26}
